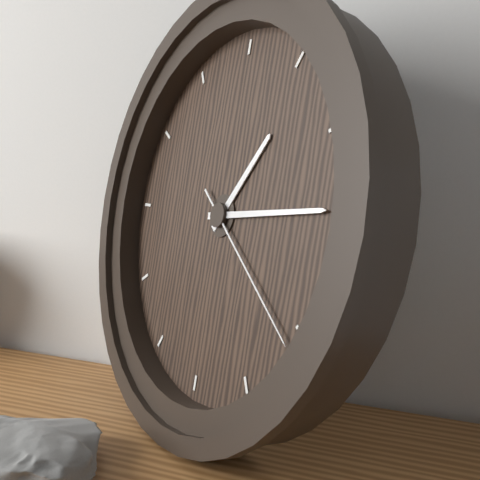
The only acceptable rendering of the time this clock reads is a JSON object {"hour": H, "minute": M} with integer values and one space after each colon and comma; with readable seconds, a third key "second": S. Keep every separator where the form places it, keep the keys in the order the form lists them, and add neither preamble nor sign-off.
{"hour": 1, "minute": 14, "second": 21}
